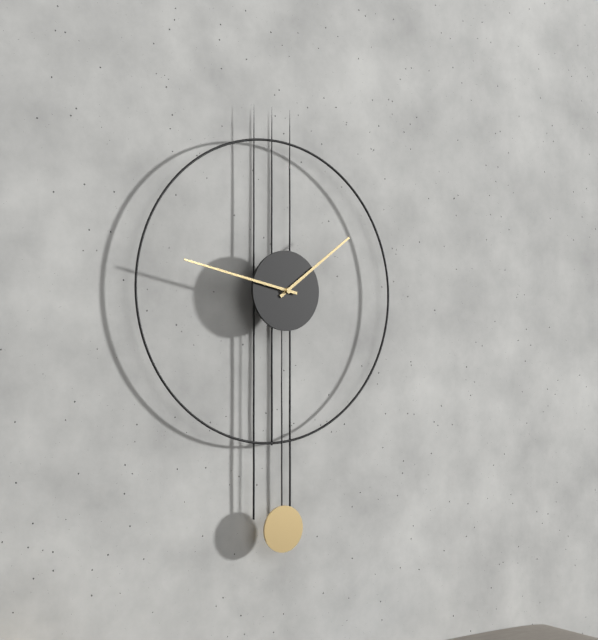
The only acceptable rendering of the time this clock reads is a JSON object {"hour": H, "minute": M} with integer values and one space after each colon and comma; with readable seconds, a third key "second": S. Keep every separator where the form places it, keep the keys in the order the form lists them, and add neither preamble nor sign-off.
{"hour": 1, "minute": 47}
